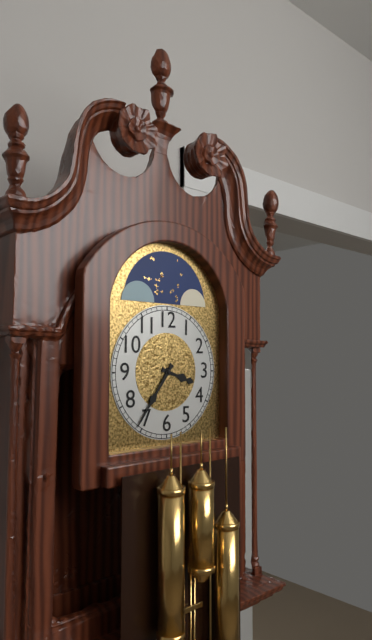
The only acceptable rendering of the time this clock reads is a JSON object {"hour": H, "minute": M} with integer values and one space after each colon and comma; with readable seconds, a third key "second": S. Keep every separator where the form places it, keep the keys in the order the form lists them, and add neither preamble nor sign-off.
{"hour": 3, "minute": 36}
